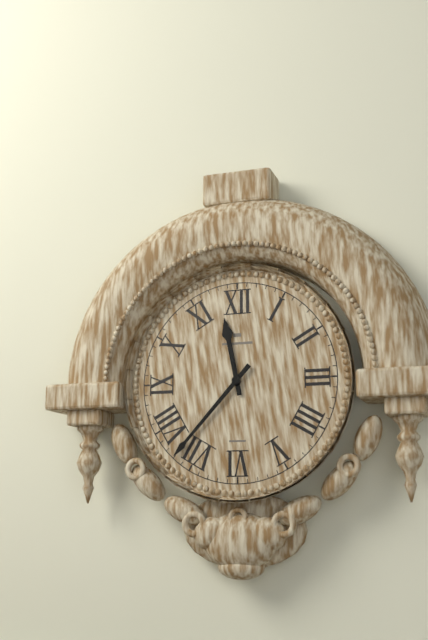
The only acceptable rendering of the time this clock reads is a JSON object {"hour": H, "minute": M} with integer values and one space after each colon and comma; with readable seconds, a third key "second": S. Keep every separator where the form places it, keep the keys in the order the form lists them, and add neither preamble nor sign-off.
{"hour": 11, "minute": 37}
